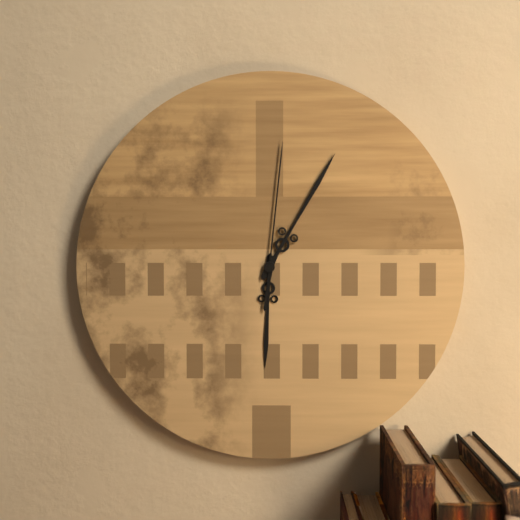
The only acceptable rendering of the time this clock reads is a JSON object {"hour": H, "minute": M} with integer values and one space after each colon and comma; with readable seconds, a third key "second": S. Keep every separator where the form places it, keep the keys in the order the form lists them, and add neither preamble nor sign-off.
{"hour": 6, "minute": 5, "second": 1}
